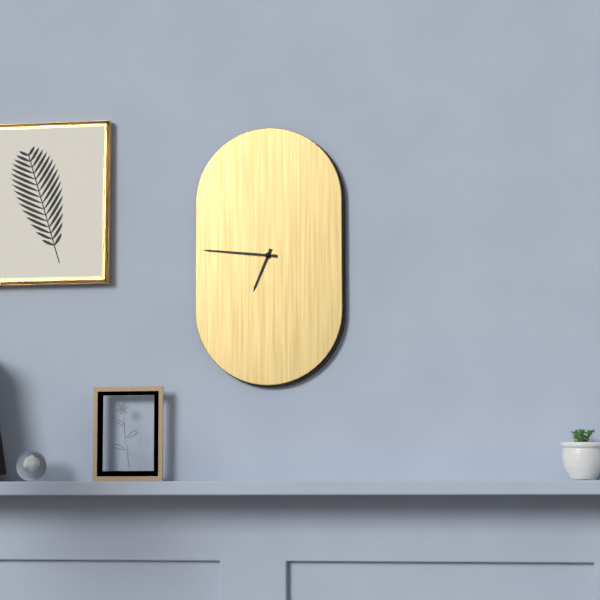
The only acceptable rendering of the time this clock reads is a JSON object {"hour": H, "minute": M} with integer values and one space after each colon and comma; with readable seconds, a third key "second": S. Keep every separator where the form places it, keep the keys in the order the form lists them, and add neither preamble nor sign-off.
{"hour": 6, "minute": 46}
